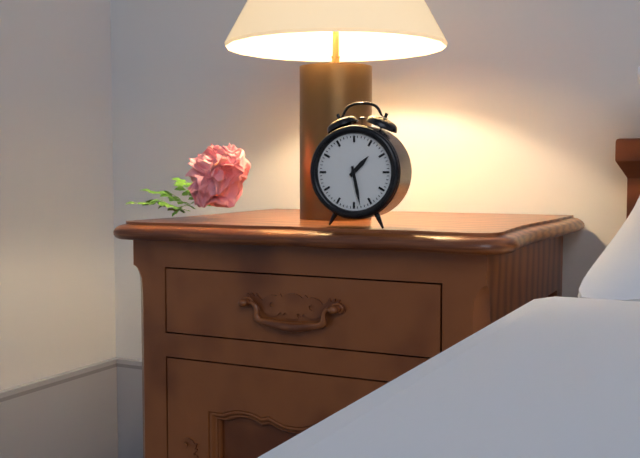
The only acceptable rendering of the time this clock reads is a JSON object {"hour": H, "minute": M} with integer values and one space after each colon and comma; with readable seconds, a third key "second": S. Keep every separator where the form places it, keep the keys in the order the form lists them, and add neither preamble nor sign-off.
{"hour": 1, "minute": 28}
